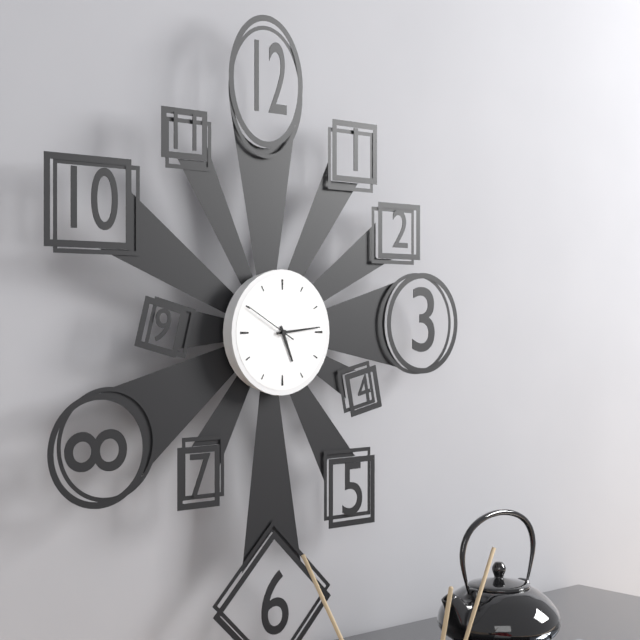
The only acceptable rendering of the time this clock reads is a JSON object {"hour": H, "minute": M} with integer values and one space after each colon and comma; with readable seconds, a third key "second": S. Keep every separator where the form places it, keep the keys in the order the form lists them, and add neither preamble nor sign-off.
{"hour": 5, "minute": 14, "second": 50}
